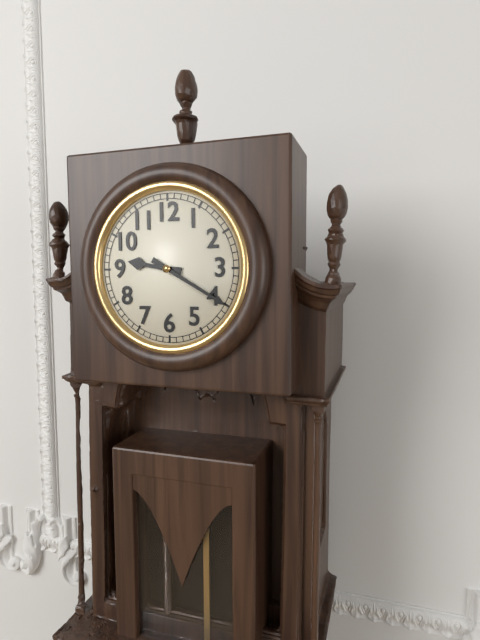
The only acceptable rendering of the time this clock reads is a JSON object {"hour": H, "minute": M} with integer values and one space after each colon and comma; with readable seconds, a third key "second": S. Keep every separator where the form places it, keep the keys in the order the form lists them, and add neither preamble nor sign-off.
{"hour": 9, "minute": 20}
